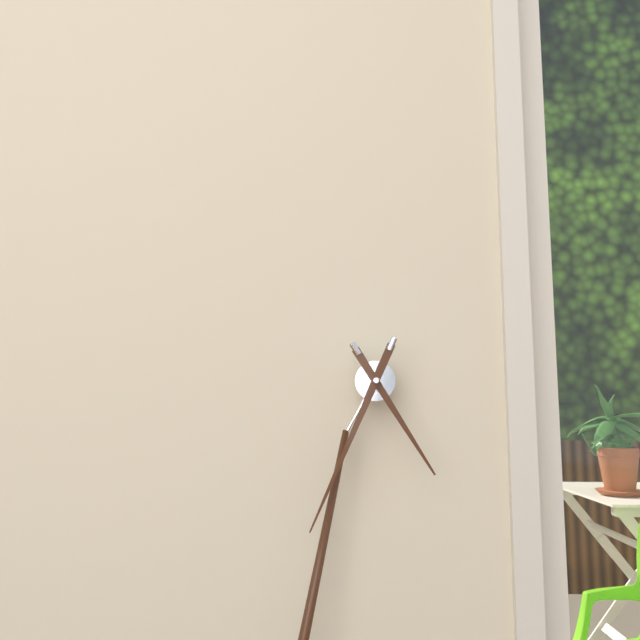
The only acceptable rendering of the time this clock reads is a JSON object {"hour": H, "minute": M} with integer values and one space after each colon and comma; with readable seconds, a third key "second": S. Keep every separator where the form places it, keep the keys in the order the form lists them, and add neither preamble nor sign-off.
{"hour": 4, "minute": 32}
